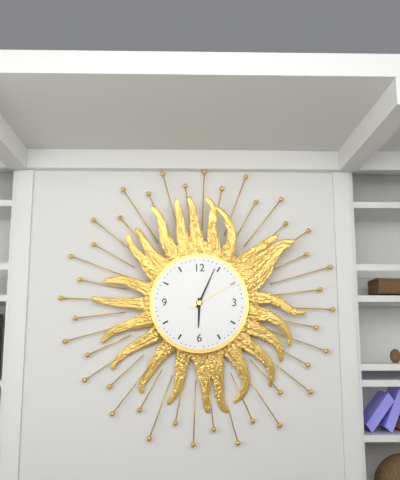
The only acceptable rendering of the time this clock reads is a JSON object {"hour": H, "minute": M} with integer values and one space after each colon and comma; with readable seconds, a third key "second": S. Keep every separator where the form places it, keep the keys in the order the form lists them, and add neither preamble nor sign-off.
{"hour": 6, "minute": 4, "second": 10}
